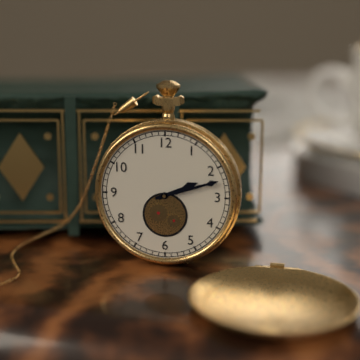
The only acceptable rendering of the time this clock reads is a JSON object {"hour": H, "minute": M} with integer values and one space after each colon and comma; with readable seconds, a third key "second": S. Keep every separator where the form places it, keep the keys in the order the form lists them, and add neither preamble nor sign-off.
{"hour": 2, "minute": 12}
